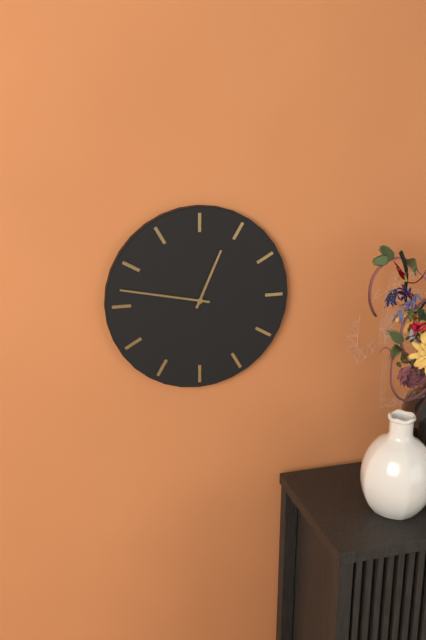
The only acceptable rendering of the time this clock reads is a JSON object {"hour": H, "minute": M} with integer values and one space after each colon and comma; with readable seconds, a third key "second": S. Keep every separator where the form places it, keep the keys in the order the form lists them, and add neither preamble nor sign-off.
{"hour": 12, "minute": 47}
